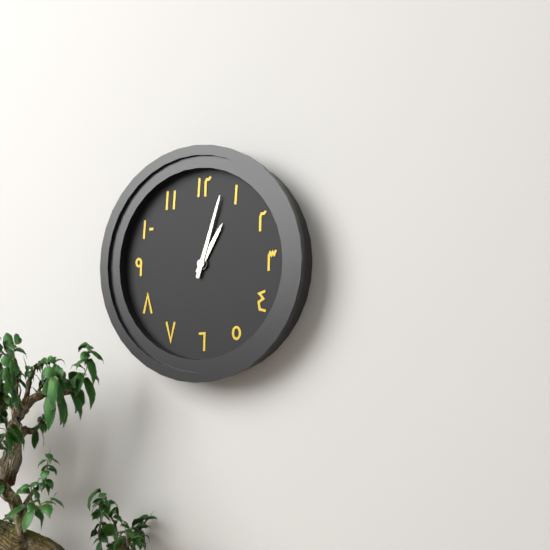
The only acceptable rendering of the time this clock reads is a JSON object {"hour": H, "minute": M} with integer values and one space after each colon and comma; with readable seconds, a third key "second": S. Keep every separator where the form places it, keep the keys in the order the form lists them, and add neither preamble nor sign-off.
{"hour": 1, "minute": 3}
